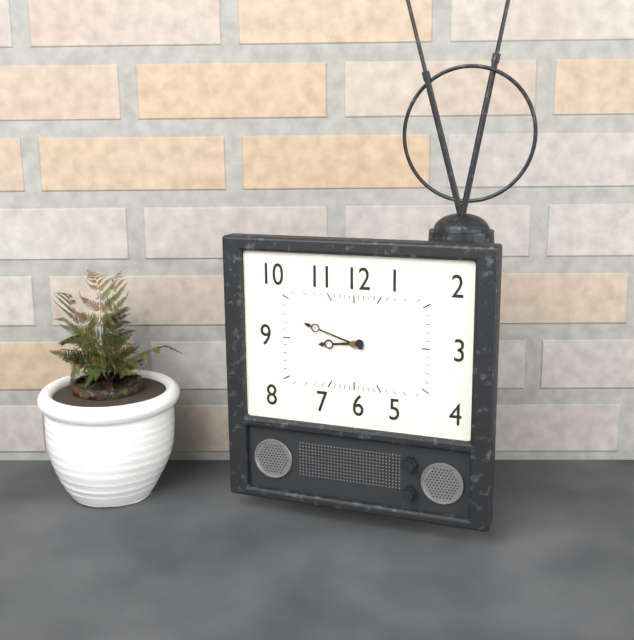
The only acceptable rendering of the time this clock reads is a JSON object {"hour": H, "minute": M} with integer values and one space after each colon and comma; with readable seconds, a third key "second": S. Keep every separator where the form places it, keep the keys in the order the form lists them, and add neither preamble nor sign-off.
{"hour": 8, "minute": 48}
